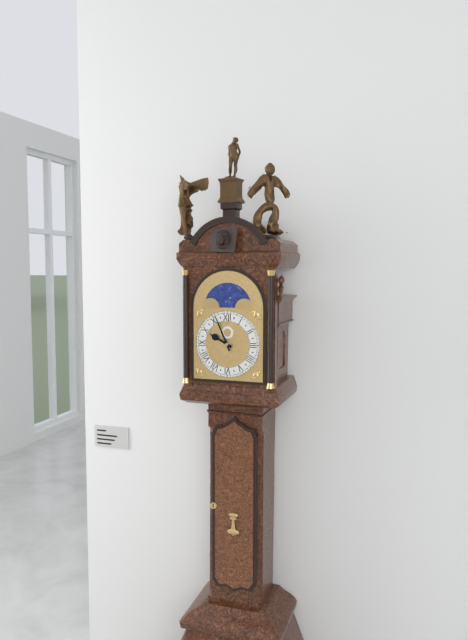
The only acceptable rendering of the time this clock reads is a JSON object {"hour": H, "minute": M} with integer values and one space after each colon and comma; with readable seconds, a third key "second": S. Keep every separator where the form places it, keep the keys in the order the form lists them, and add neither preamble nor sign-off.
{"hour": 9, "minute": 56}
